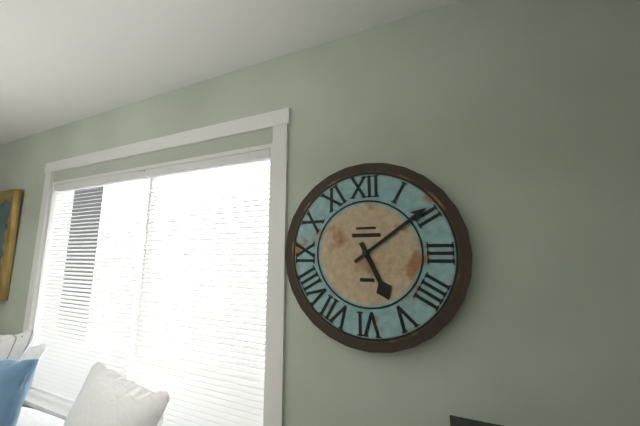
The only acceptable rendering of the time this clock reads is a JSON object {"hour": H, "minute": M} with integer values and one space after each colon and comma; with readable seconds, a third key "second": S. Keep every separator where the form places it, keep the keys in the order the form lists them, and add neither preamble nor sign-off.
{"hour": 5, "minute": 9}
